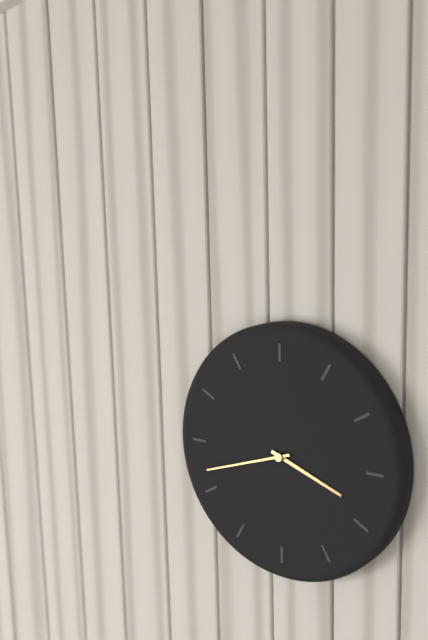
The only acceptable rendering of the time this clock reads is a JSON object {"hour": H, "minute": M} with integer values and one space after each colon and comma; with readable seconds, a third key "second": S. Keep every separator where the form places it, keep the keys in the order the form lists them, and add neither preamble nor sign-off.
{"hour": 3, "minute": 42}
